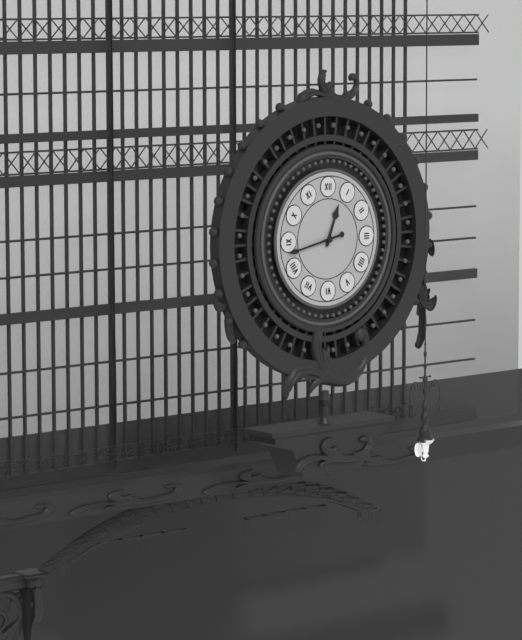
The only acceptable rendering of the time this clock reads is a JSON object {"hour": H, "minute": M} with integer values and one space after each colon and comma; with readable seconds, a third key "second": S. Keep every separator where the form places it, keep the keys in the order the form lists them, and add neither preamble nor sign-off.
{"hour": 12, "minute": 43}
